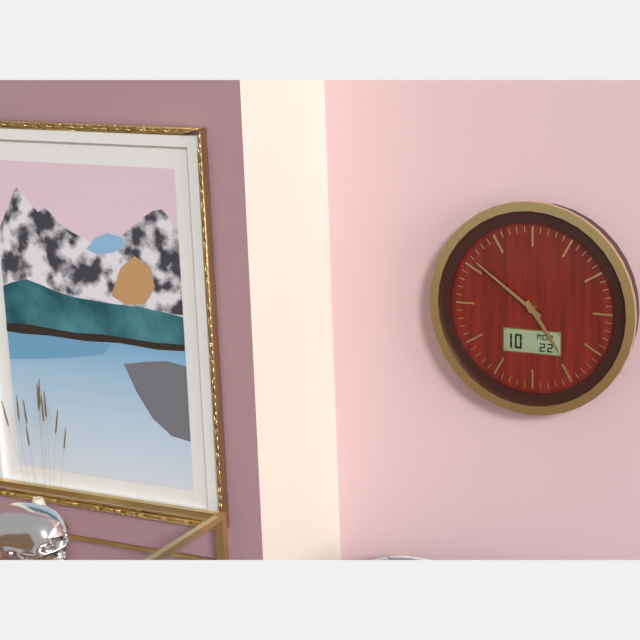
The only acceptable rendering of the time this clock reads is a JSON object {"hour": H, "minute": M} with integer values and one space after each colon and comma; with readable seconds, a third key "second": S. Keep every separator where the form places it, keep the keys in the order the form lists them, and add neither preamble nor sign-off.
{"hour": 4, "minute": 51}
